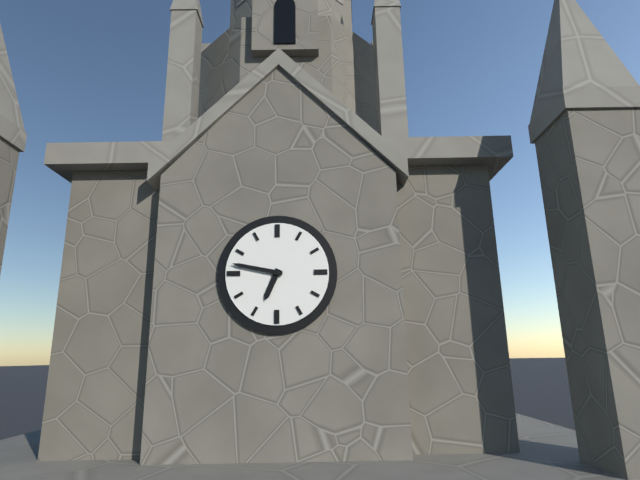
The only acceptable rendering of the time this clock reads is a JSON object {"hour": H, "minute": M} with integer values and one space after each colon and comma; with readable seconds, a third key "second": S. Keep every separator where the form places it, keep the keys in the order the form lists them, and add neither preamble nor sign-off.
{"hour": 6, "minute": 47}
